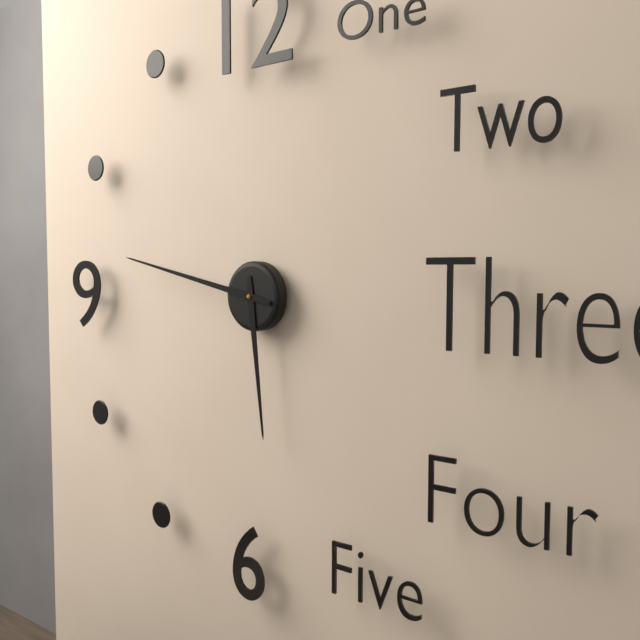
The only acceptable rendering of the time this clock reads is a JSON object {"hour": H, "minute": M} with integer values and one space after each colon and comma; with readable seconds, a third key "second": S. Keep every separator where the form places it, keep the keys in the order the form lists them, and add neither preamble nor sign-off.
{"hour": 5, "minute": 47}
